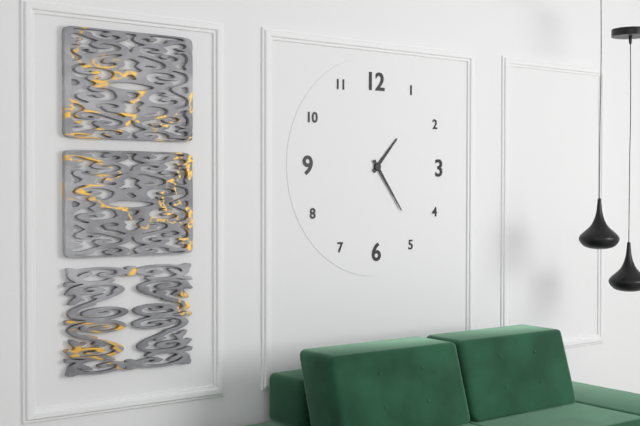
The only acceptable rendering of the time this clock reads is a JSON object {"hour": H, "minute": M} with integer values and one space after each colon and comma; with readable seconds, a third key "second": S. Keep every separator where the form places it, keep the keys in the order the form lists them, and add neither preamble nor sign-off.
{"hour": 1, "minute": 24}
